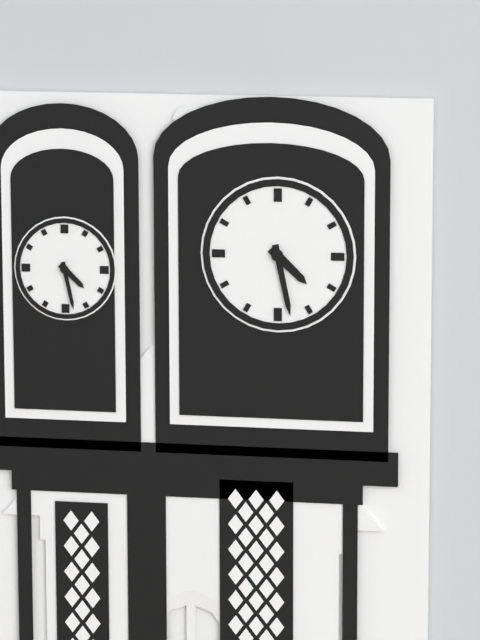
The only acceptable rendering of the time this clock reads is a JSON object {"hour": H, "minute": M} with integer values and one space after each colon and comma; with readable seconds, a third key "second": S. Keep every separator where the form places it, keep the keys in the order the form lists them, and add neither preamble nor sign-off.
{"hour": 4, "minute": 28}
